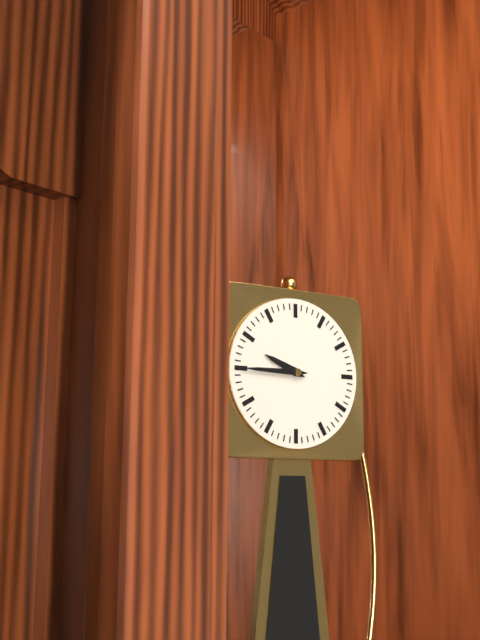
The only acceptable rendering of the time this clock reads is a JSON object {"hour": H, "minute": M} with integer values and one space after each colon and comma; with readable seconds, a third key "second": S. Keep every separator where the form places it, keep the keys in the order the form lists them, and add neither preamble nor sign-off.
{"hour": 9, "minute": 45}
